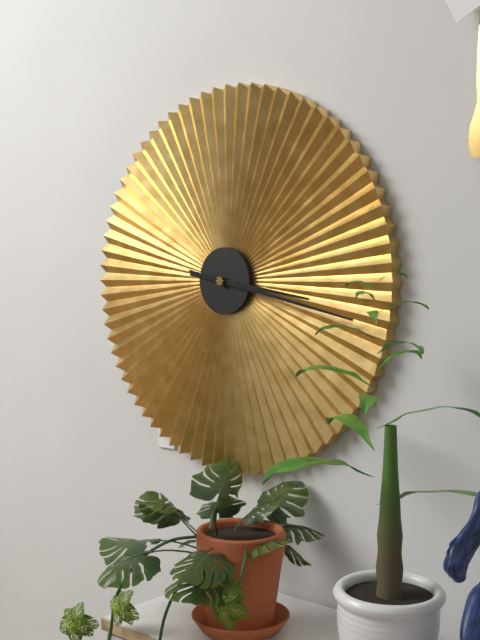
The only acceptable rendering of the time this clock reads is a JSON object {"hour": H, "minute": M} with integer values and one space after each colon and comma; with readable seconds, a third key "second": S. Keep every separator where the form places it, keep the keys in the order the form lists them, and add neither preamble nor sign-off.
{"hour": 3, "minute": 17}
